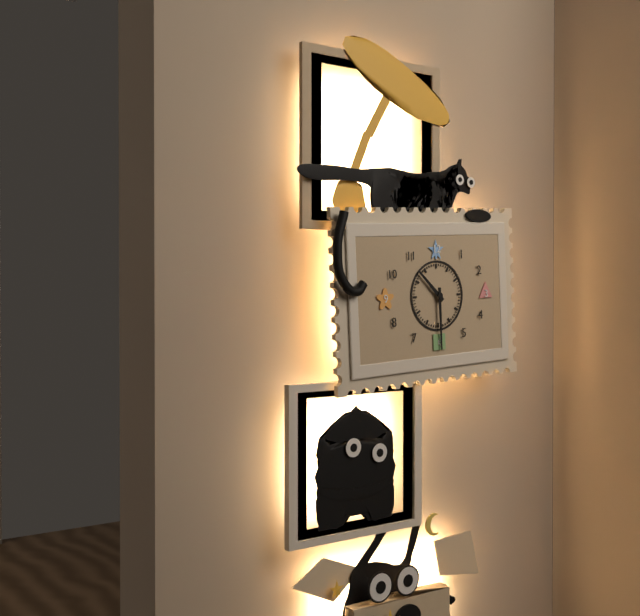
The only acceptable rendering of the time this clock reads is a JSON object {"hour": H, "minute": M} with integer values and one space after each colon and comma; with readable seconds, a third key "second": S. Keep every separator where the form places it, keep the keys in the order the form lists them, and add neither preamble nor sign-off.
{"hour": 10, "minute": 30}
